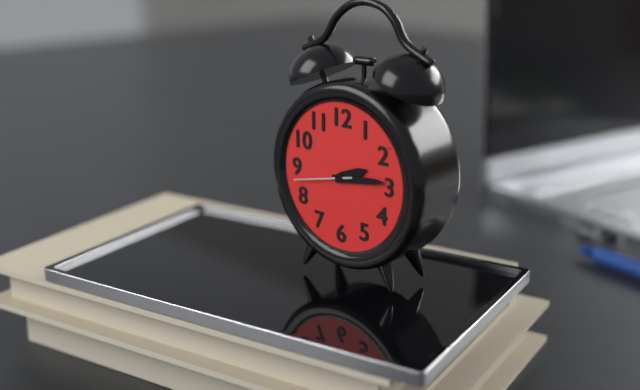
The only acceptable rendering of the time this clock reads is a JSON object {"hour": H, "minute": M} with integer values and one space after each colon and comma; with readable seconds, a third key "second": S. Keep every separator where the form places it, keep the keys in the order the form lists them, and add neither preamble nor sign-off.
{"hour": 2, "minute": 14, "second": 43}
